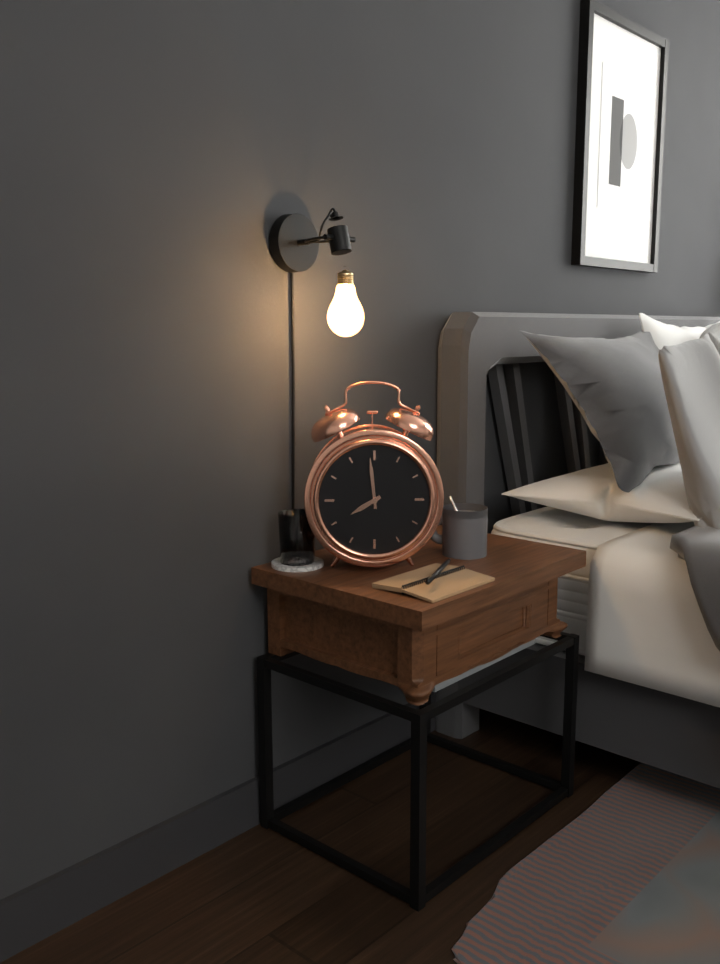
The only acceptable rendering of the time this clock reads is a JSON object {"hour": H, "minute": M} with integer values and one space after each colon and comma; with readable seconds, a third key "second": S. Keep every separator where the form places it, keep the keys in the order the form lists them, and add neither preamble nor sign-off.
{"hour": 7, "minute": 59}
